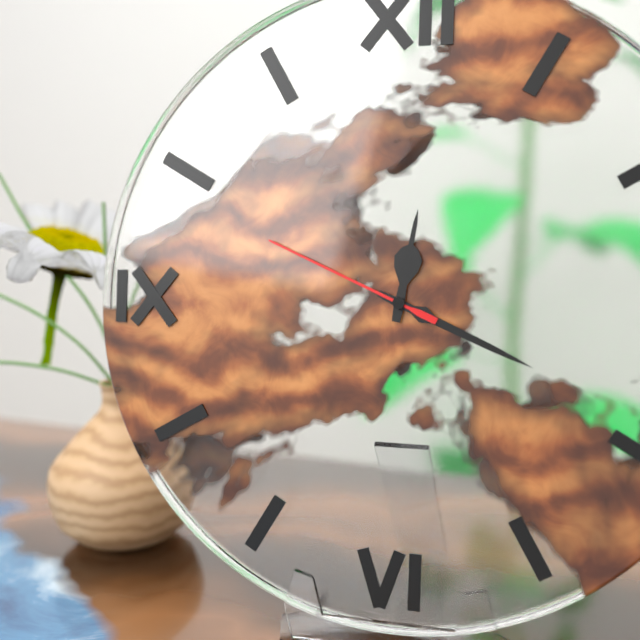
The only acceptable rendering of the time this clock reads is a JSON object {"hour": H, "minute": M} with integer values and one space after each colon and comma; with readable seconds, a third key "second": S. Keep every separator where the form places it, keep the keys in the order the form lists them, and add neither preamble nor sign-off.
{"hour": 12, "minute": 19, "second": 49}
